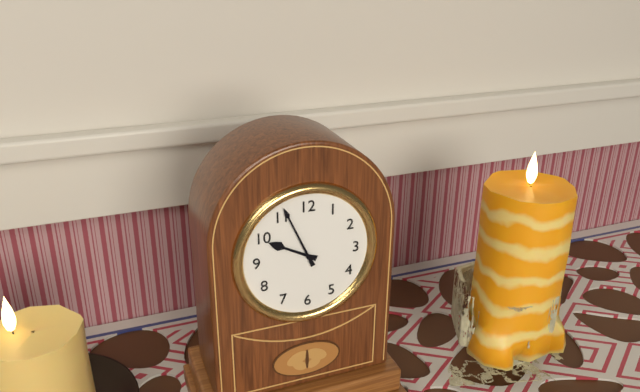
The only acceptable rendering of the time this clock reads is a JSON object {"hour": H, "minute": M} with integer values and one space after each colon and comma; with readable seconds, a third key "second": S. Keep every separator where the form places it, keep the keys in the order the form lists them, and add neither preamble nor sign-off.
{"hour": 9, "minute": 56}
